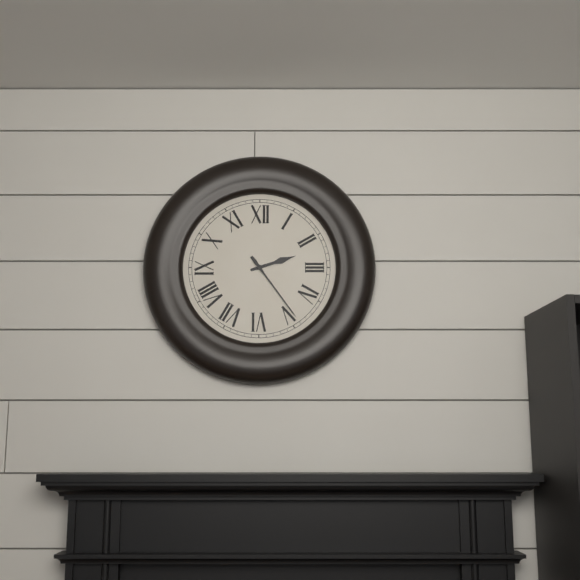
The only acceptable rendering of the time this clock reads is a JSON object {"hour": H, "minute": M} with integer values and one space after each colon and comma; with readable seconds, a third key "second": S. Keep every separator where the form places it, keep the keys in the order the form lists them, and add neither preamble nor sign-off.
{"hour": 2, "minute": 24}
